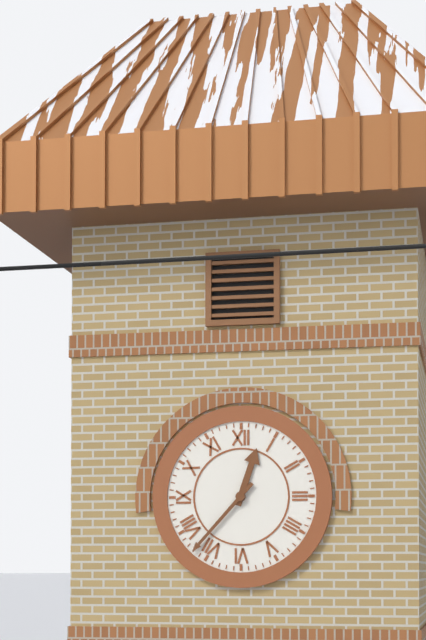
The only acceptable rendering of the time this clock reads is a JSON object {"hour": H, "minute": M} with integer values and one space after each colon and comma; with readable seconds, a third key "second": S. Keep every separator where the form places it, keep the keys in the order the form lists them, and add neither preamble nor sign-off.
{"hour": 12, "minute": 37}
